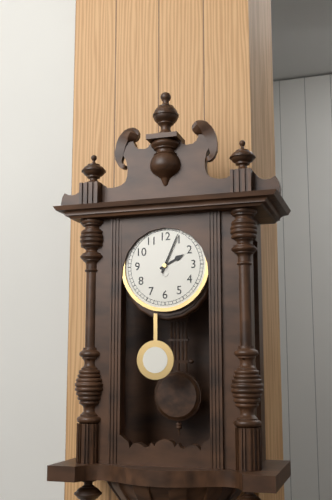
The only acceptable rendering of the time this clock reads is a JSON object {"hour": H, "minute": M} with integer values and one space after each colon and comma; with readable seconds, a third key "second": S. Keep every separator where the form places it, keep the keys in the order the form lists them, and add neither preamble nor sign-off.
{"hour": 2, "minute": 4}
